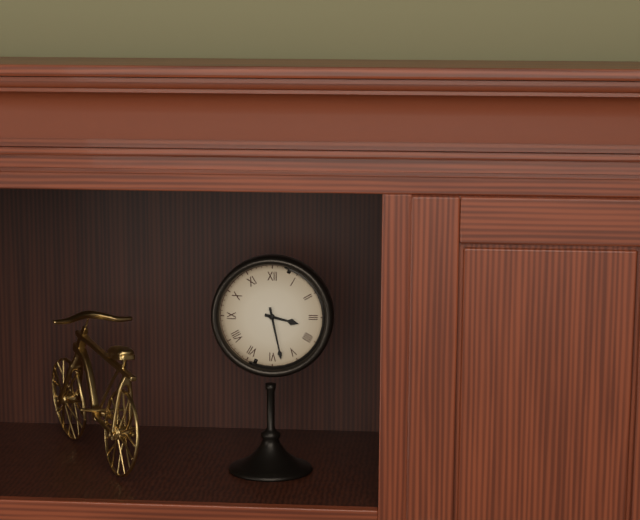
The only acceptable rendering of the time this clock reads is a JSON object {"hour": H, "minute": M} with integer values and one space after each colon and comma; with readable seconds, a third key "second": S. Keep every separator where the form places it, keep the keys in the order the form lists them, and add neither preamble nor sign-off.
{"hour": 3, "minute": 28}
